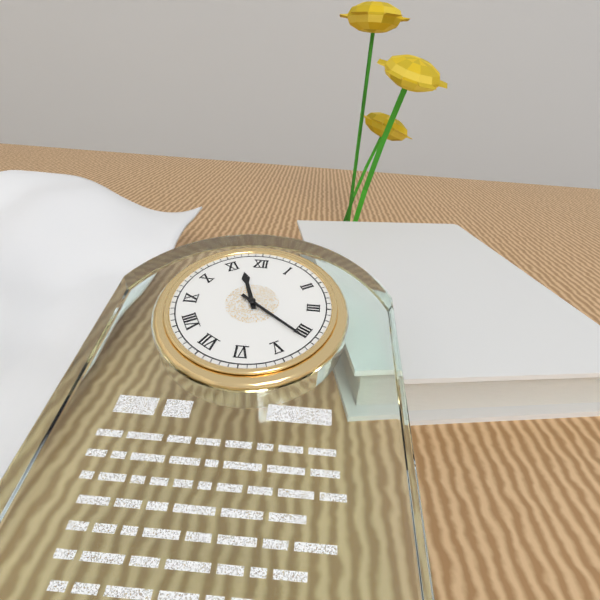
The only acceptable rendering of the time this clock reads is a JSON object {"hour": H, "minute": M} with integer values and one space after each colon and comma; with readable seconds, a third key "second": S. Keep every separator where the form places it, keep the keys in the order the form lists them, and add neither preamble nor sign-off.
{"hour": 11, "minute": 21}
